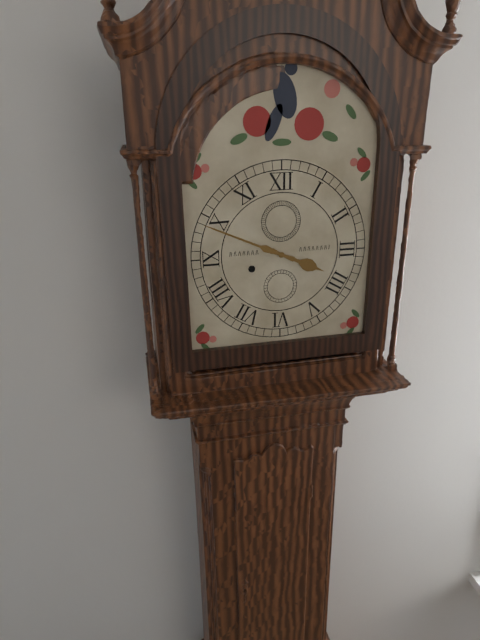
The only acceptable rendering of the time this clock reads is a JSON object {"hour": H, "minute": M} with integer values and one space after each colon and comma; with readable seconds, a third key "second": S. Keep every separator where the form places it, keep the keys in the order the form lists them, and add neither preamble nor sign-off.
{"hour": 3, "minute": 49}
